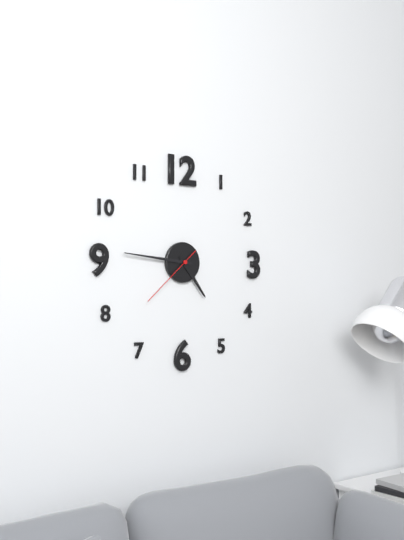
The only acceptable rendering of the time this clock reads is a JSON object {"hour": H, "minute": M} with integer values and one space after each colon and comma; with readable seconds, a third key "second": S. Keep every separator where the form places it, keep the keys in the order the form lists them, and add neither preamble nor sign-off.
{"hour": 4, "minute": 46, "second": 38}
